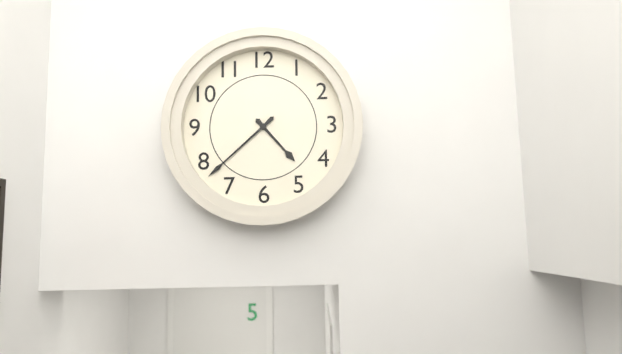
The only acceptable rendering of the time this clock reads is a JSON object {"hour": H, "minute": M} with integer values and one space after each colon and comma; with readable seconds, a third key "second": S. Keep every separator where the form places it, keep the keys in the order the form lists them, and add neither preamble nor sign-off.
{"hour": 4, "minute": 38}
